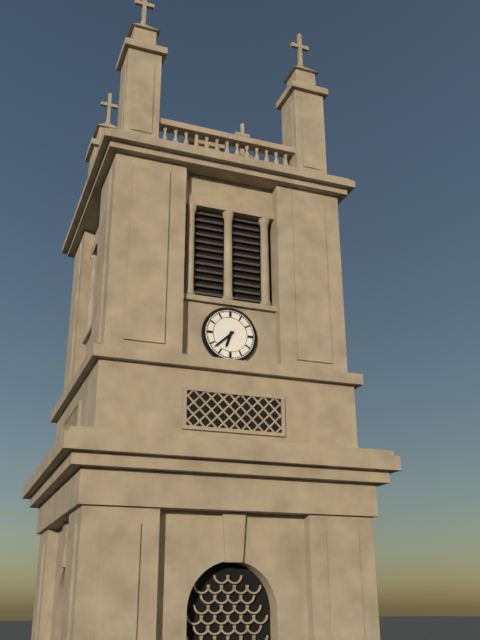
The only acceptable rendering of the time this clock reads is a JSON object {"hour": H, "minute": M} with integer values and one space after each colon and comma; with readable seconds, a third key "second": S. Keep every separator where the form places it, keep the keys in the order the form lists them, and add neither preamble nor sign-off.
{"hour": 6, "minute": 38}
